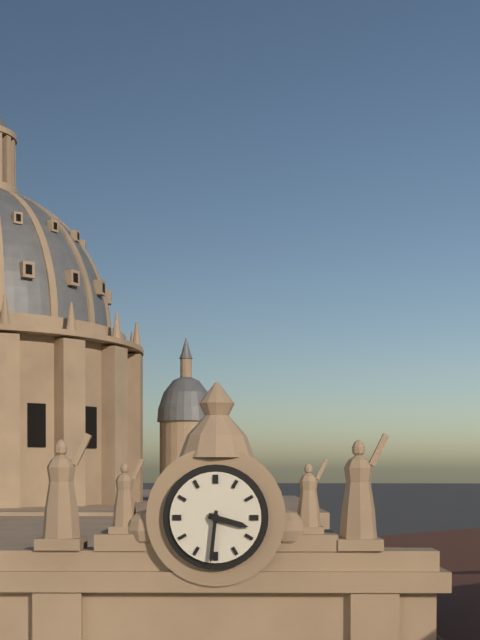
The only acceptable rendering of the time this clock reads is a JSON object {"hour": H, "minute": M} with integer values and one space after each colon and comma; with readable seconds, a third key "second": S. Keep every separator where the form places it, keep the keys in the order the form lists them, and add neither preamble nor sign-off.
{"hour": 3, "minute": 31}
